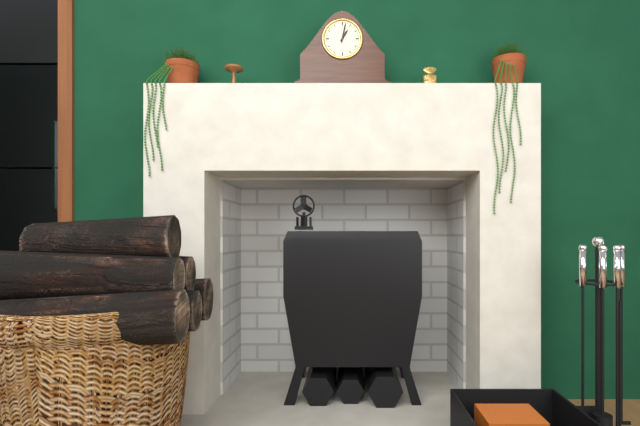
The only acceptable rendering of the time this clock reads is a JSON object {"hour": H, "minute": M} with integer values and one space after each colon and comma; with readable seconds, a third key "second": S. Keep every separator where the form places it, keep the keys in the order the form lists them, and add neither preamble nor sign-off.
{"hour": 1, "minute": 2}
